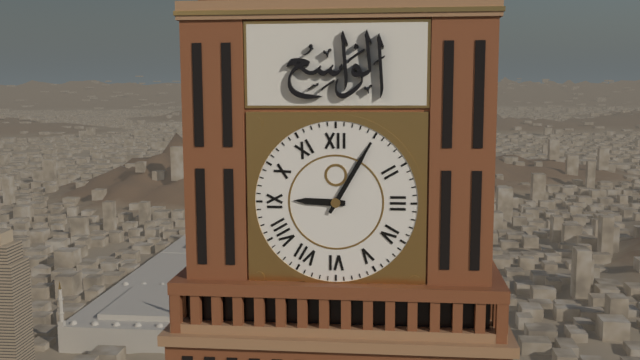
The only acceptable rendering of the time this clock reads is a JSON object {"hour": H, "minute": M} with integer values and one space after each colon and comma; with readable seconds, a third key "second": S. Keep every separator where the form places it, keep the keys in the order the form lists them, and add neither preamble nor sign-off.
{"hour": 9, "minute": 5}
